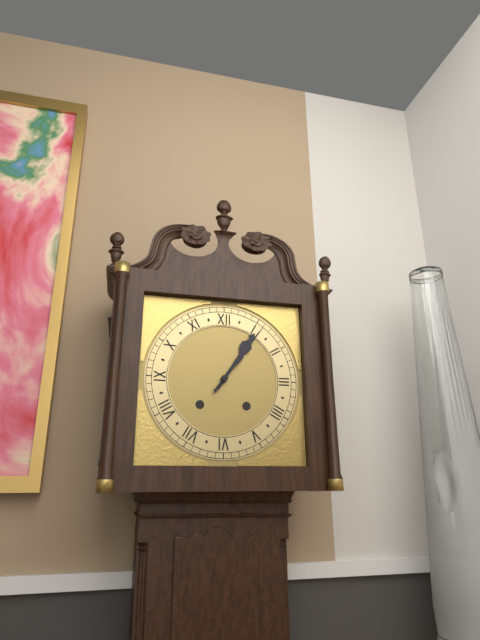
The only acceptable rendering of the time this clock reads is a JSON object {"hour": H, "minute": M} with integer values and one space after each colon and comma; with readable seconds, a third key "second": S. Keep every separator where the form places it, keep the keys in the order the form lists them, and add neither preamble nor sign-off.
{"hour": 1, "minute": 6}
